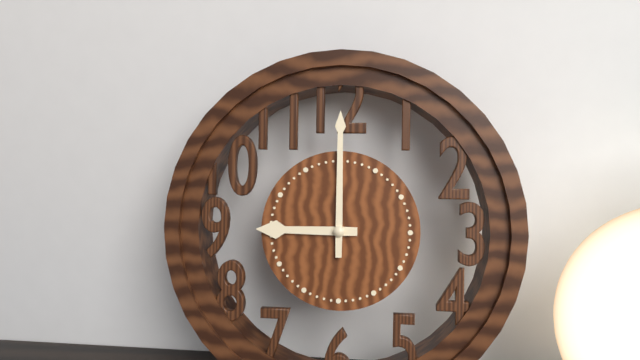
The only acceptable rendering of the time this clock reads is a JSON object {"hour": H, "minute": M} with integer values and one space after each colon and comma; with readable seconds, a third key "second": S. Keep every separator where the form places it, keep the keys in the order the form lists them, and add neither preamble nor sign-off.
{"hour": 9, "minute": 0}
